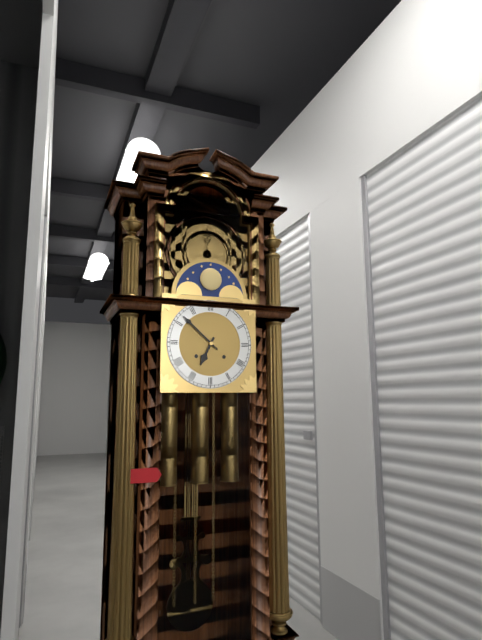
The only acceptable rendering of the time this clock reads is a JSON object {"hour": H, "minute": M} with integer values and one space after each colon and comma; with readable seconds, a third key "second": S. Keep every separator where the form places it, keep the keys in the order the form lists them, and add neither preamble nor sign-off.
{"hour": 6, "minute": 52}
